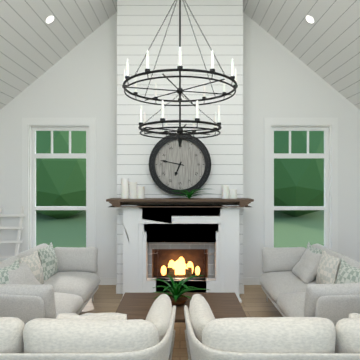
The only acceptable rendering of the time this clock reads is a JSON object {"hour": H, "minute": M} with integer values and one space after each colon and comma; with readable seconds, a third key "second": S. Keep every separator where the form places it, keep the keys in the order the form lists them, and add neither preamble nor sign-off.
{"hour": 6, "minute": 47}
